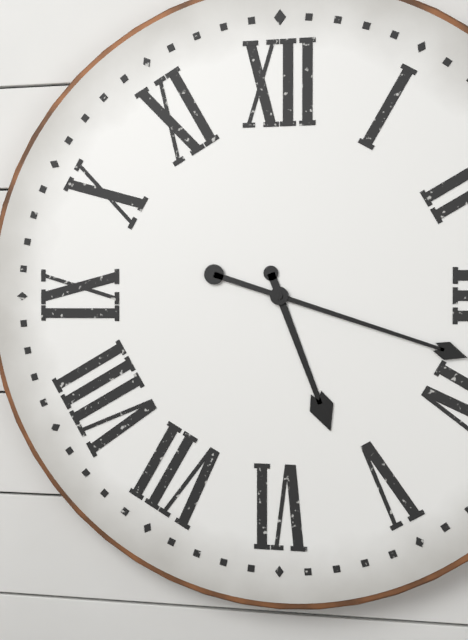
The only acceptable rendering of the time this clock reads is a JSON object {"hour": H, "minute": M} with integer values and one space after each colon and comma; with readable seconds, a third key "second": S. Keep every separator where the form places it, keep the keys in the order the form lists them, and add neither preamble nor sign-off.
{"hour": 5, "minute": 18}
